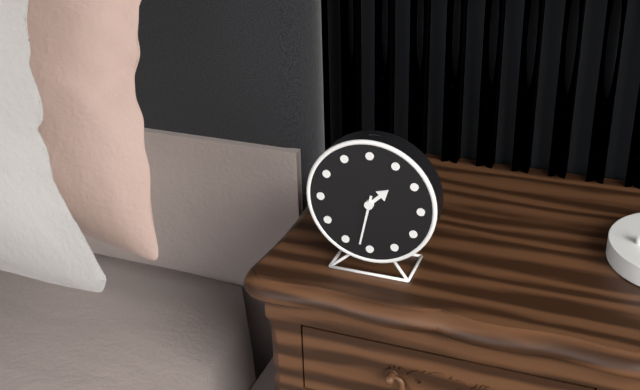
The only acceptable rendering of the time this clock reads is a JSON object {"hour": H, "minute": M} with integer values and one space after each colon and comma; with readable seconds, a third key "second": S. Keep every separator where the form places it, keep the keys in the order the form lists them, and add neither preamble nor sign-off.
{"hour": 1, "minute": 32}
